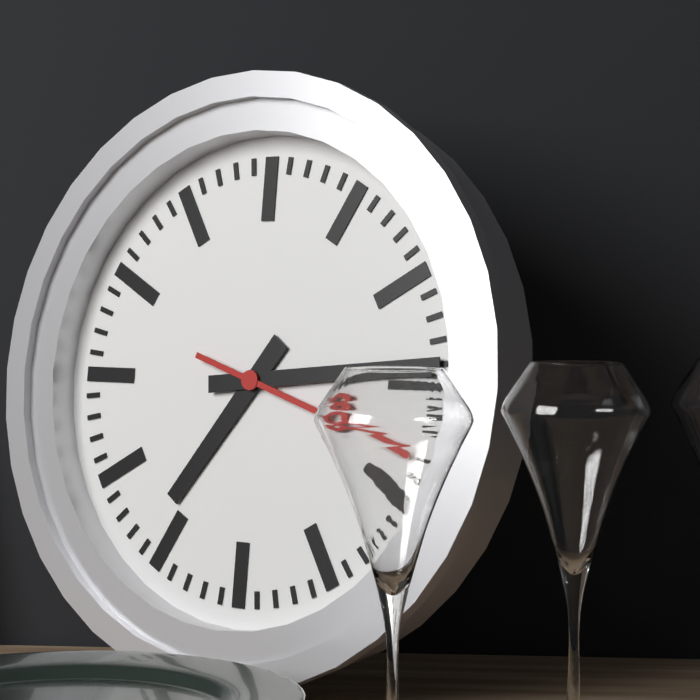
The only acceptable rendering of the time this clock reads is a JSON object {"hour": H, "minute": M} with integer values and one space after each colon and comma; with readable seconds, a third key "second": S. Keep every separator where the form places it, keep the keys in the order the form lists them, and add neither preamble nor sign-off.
{"hour": 7, "minute": 14, "second": 18}
